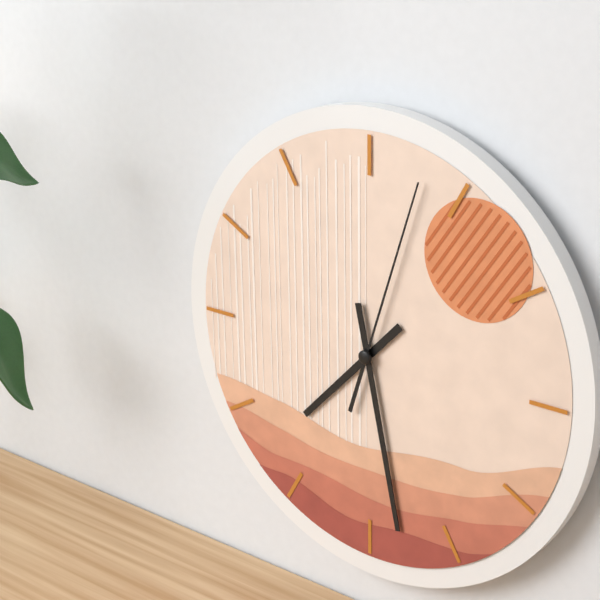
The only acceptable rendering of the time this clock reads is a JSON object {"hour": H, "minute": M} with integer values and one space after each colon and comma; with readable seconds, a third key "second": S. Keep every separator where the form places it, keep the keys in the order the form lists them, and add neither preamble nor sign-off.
{"hour": 7, "minute": 28, "second": 3}
